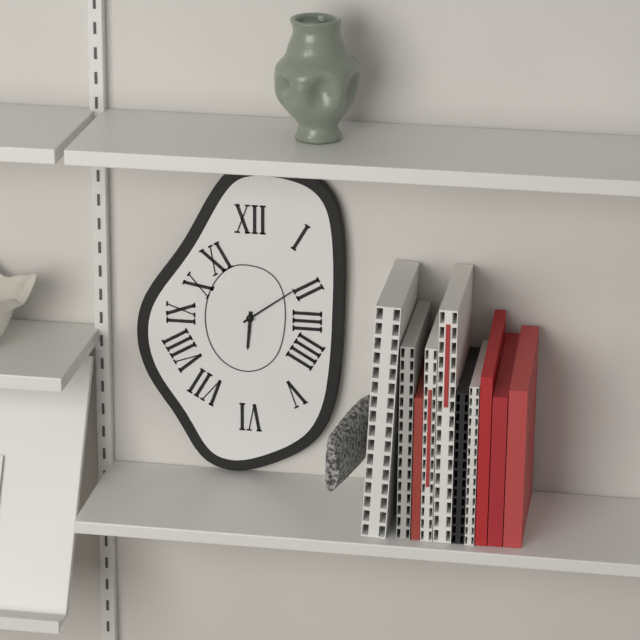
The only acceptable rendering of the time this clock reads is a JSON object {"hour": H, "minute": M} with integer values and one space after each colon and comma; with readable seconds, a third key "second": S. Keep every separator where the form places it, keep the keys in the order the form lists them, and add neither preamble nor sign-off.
{"hour": 6, "minute": 9}
